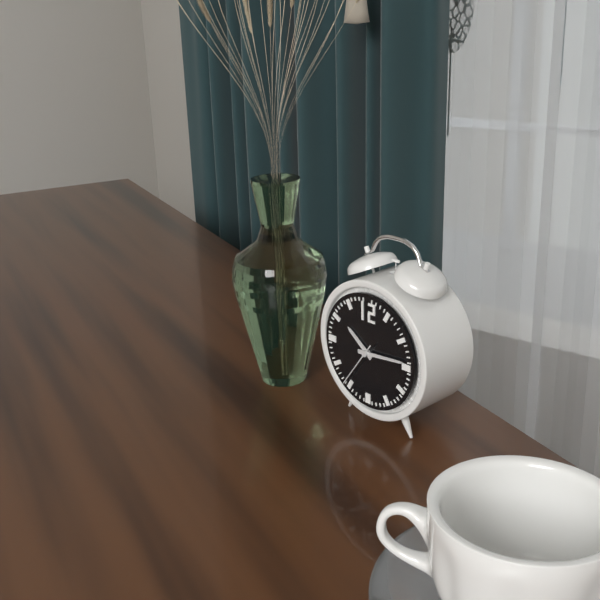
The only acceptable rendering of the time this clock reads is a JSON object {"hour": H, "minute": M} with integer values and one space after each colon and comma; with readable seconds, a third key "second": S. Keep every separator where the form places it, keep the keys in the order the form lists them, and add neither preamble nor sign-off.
{"hour": 10, "minute": 14, "second": 36}
